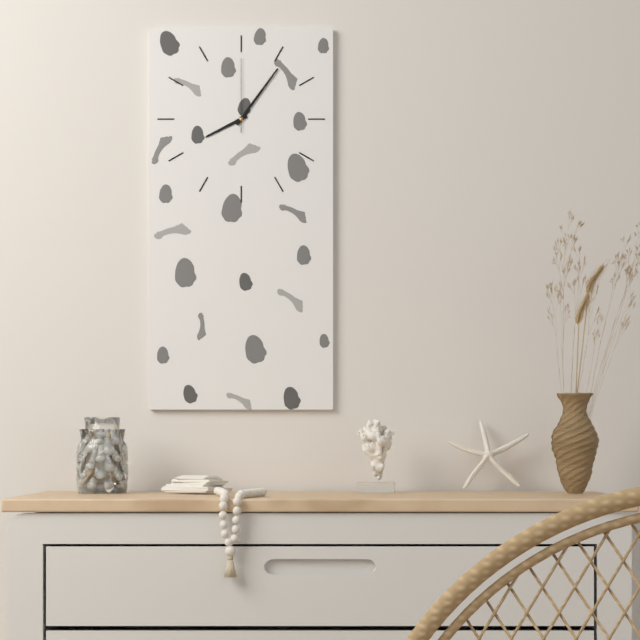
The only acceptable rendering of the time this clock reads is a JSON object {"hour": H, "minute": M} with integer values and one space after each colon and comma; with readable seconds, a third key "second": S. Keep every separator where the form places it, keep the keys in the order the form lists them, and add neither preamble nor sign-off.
{"hour": 8, "minute": 6, "second": 0}
